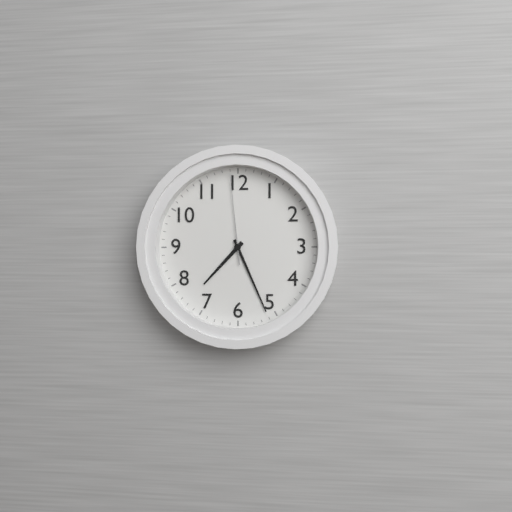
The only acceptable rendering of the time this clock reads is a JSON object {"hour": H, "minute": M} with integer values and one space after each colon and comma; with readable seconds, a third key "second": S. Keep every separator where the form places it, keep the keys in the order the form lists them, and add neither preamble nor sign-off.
{"hour": 7, "minute": 26, "second": 59}
